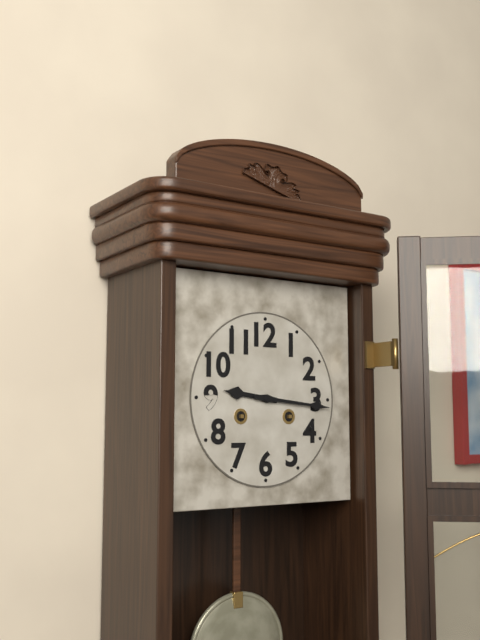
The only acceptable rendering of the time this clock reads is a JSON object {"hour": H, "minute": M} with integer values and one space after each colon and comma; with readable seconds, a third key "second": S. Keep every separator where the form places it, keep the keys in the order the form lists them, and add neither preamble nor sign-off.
{"hour": 9, "minute": 16}
